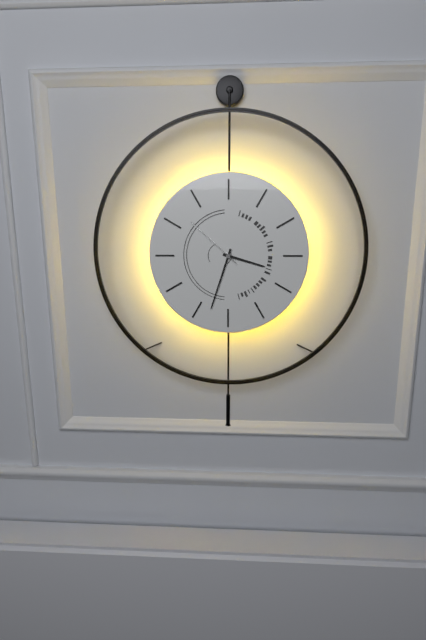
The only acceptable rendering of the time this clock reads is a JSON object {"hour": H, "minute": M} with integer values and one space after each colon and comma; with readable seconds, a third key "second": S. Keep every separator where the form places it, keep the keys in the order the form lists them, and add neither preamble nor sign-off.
{"hour": 3, "minute": 33, "second": 52}
